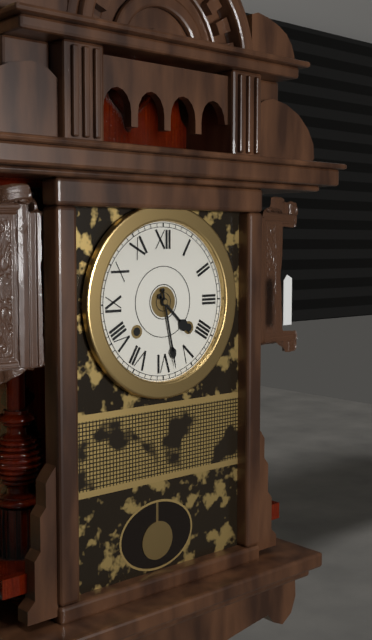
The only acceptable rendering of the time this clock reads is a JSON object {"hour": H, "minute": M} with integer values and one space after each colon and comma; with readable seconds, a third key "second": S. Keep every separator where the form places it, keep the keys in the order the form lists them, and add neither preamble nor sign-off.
{"hour": 4, "minute": 28}
